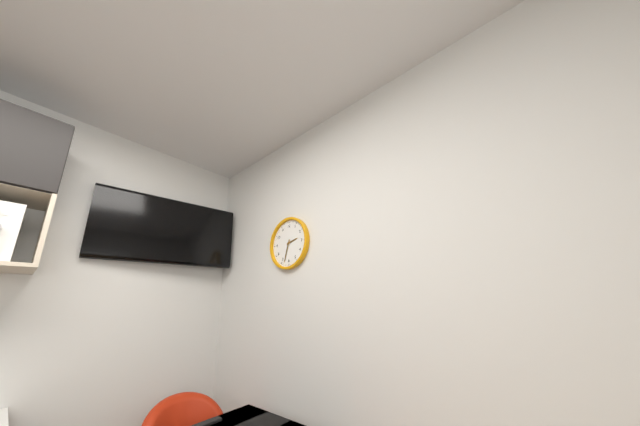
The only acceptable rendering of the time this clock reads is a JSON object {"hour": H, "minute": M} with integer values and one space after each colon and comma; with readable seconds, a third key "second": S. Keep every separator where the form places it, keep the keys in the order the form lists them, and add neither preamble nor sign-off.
{"hour": 2, "minute": 33}
